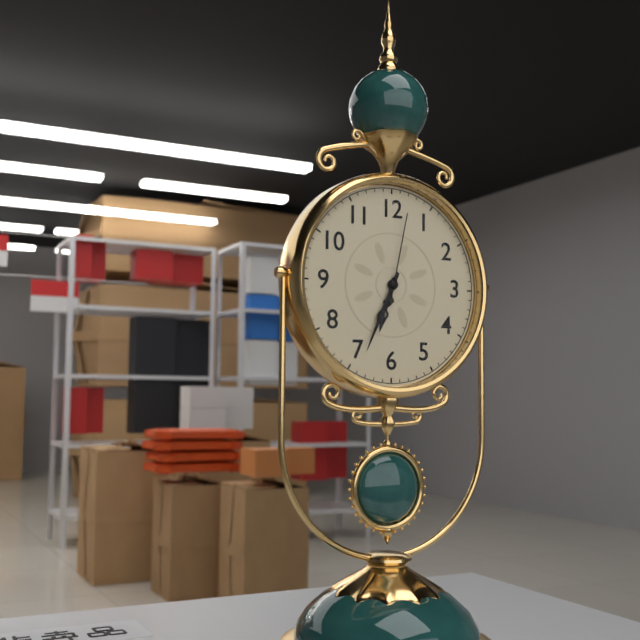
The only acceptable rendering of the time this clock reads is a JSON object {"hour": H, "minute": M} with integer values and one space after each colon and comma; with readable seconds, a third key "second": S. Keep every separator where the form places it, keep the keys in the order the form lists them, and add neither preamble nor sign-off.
{"hour": 6, "minute": 34, "second": 2}
